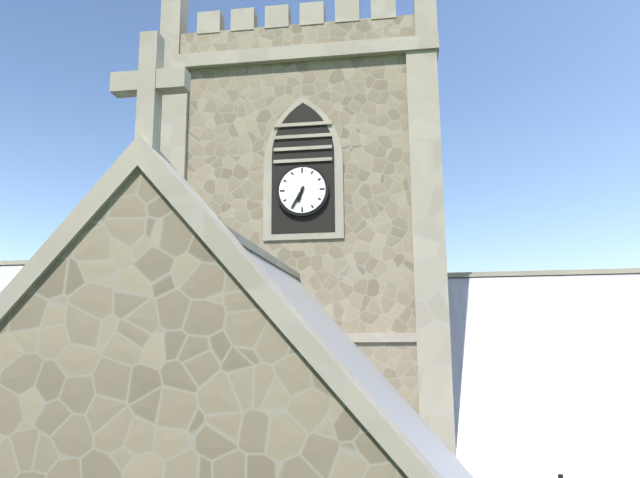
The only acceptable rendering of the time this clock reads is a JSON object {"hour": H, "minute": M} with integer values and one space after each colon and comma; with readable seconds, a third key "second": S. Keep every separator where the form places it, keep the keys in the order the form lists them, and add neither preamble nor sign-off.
{"hour": 6, "minute": 35}
